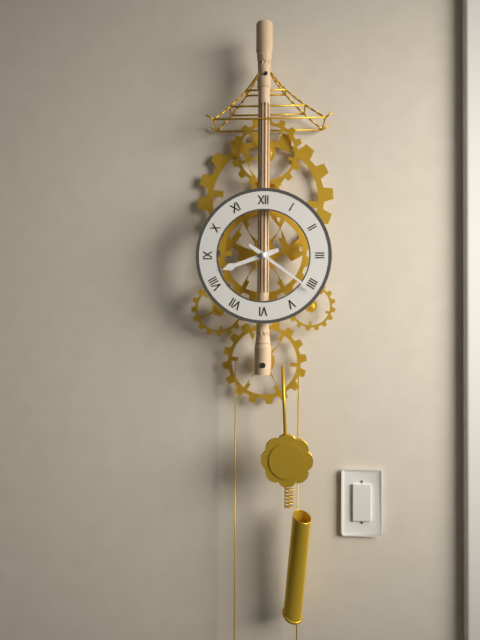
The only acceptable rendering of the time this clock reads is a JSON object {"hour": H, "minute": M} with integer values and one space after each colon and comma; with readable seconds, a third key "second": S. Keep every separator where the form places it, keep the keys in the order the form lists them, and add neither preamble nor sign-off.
{"hour": 8, "minute": 21}
